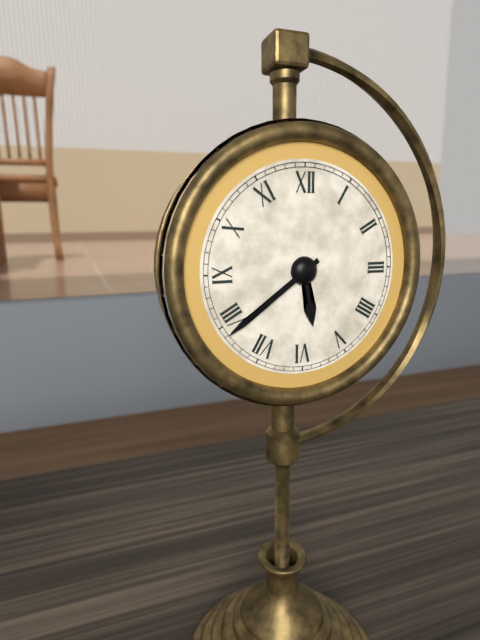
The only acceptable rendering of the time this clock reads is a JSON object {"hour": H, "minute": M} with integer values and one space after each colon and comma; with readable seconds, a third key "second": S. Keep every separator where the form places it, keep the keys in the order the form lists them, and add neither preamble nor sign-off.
{"hour": 5, "minute": 39}
